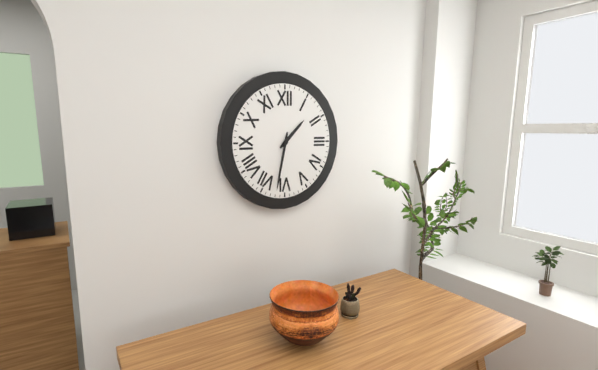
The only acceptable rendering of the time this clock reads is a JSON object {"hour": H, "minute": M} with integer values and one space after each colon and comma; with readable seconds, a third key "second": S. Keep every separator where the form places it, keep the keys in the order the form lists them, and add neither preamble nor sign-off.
{"hour": 1, "minute": 32}
